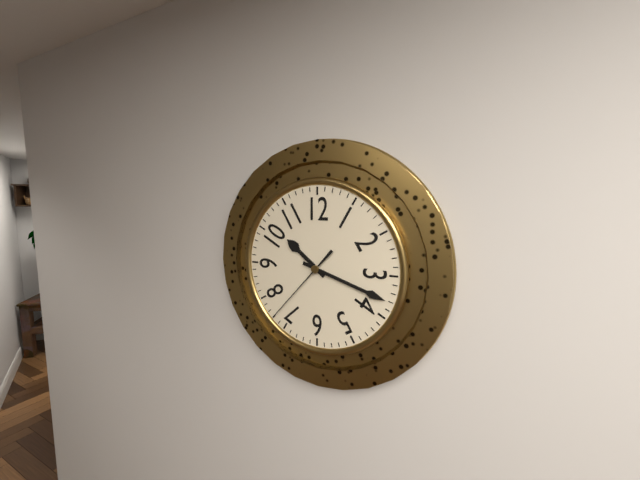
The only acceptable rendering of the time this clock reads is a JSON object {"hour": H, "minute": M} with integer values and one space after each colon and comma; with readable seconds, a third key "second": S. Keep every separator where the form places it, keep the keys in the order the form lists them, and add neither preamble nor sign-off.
{"hour": 10, "minute": 18, "second": 37}
